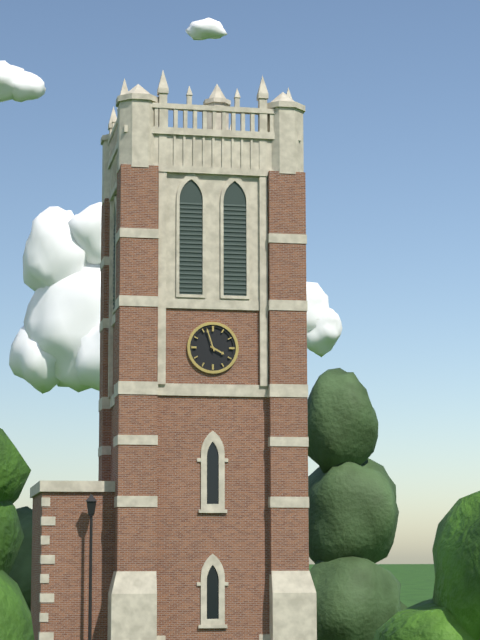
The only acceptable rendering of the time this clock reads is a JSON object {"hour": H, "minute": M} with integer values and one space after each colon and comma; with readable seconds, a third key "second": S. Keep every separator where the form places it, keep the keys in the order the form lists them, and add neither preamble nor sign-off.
{"hour": 3, "minute": 57}
